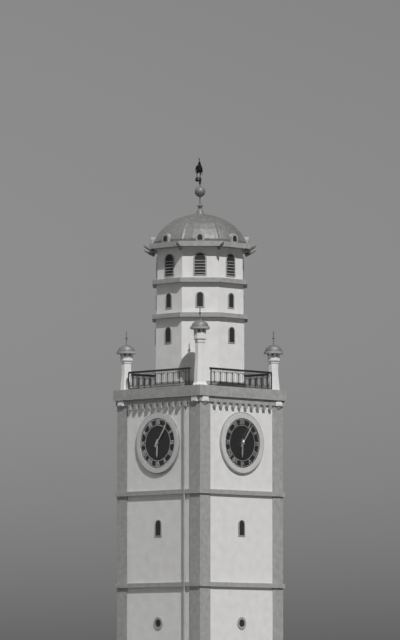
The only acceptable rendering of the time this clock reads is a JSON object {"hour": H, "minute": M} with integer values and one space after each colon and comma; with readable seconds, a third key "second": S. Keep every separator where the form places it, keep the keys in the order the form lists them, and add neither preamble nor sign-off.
{"hour": 6, "minute": 6}
